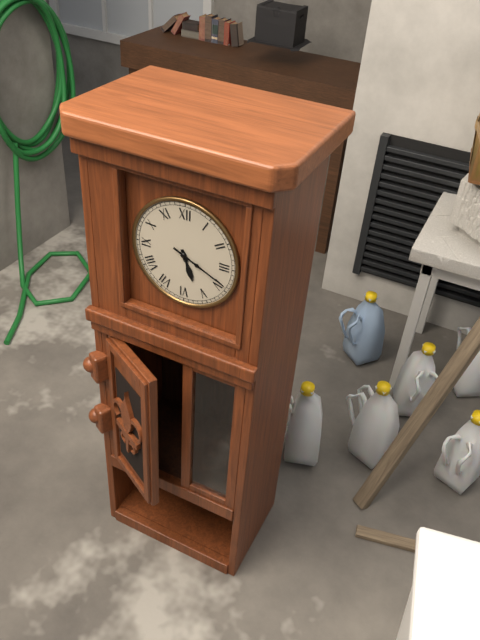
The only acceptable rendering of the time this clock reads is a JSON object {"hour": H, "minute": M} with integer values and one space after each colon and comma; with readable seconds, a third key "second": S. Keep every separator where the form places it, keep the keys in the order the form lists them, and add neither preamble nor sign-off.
{"hour": 5, "minute": 19}
